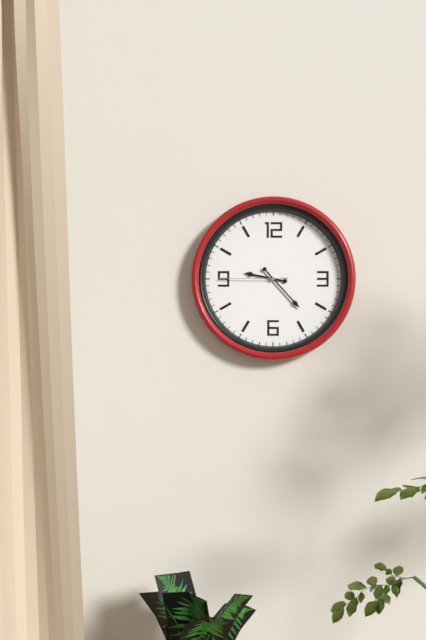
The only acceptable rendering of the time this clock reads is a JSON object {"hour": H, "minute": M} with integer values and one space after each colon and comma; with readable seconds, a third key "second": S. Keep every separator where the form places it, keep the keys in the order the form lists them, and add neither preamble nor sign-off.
{"hour": 9, "minute": 23, "second": 45}
